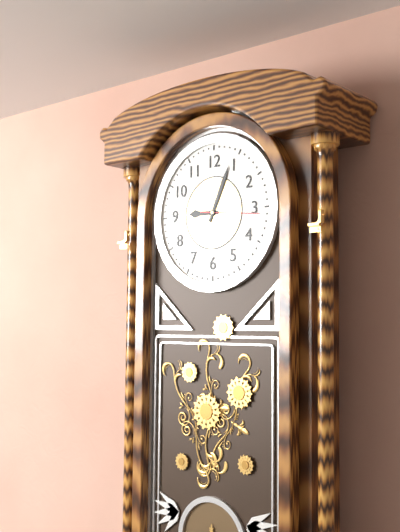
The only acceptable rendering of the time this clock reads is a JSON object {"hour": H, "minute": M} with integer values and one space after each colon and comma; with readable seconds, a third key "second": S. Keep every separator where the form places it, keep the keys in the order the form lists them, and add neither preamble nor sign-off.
{"hour": 9, "minute": 4}
